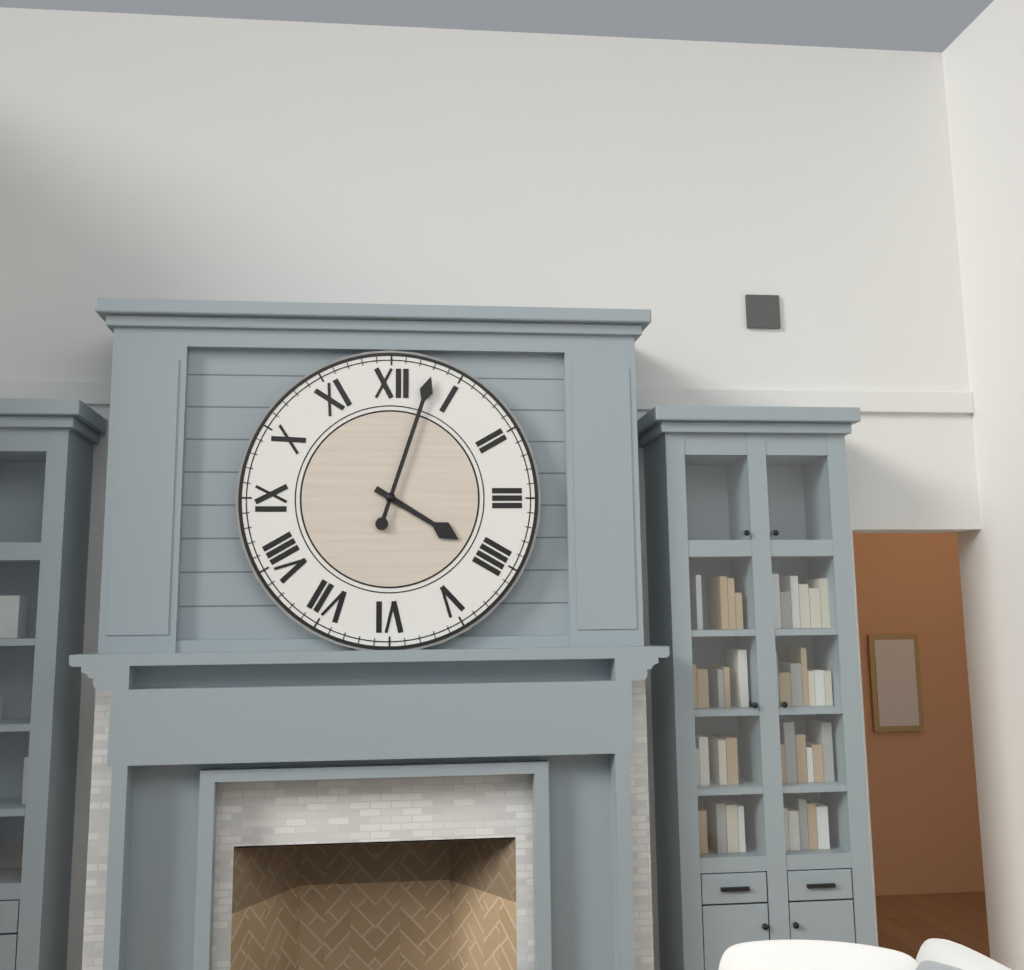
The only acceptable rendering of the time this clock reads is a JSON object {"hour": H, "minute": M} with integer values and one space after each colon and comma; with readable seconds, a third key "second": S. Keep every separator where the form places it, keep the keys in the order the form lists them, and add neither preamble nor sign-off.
{"hour": 4, "minute": 3}
